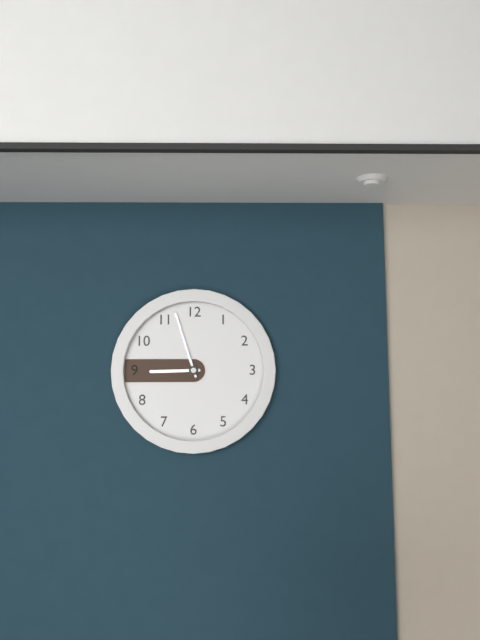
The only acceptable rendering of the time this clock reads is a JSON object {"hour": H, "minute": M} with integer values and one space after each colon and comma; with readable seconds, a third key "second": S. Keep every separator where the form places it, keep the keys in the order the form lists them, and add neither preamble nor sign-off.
{"hour": 8, "minute": 57}
